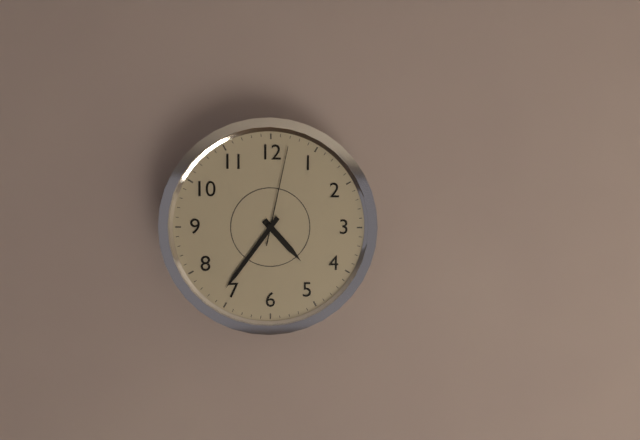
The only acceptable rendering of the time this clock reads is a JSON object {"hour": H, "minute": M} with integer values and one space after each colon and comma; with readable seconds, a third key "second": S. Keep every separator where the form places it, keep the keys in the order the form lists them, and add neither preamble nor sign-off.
{"hour": 4, "minute": 36, "second": 2}
